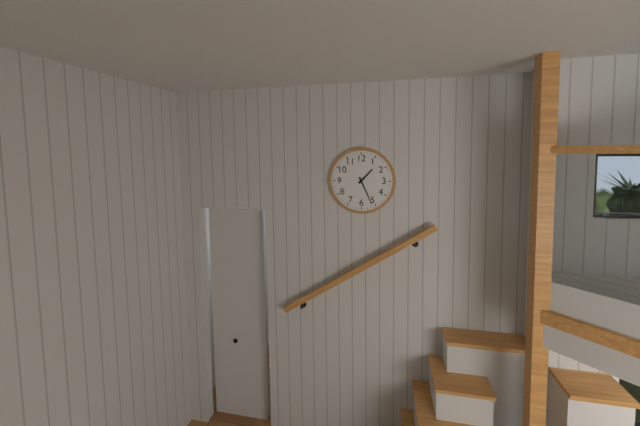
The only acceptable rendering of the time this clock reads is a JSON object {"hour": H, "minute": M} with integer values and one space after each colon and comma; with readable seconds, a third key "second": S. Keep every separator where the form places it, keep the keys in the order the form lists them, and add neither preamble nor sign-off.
{"hour": 1, "minute": 26}
